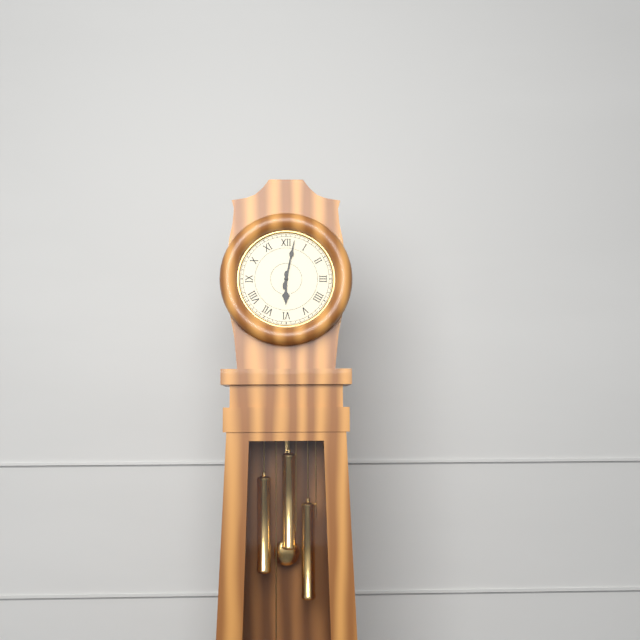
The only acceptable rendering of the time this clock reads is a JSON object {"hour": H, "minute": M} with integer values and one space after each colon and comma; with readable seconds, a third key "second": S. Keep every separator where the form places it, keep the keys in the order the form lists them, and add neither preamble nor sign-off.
{"hour": 6, "minute": 2}
